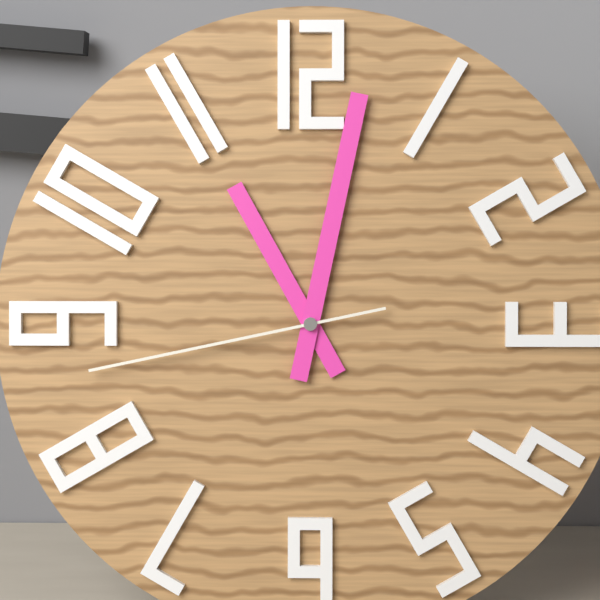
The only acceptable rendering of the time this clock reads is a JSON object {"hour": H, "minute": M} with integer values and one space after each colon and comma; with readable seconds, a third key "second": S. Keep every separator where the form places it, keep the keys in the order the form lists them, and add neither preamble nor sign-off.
{"hour": 11, "minute": 2, "second": 43}
